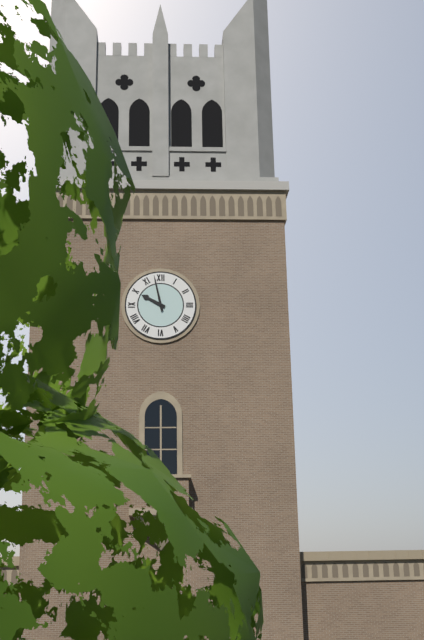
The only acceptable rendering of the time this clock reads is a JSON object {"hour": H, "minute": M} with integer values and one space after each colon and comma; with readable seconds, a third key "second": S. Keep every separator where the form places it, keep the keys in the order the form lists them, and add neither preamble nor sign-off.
{"hour": 9, "minute": 58}
